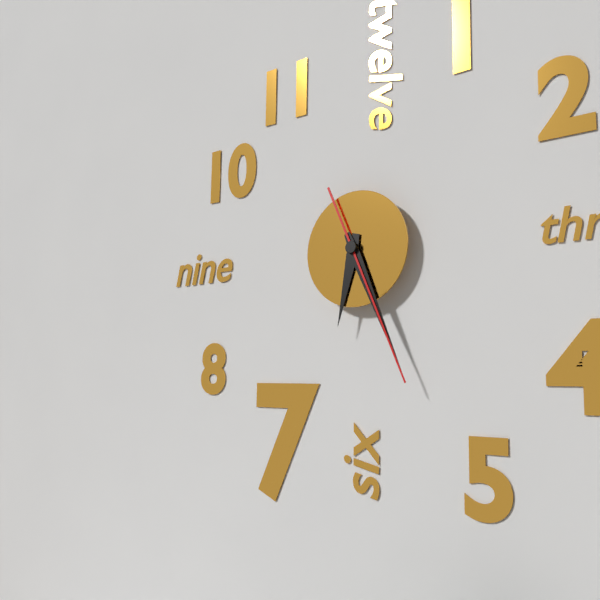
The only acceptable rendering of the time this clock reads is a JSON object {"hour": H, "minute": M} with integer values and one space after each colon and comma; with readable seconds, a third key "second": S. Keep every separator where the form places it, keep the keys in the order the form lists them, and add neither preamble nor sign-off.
{"hour": 6, "minute": 26, "second": 26}
